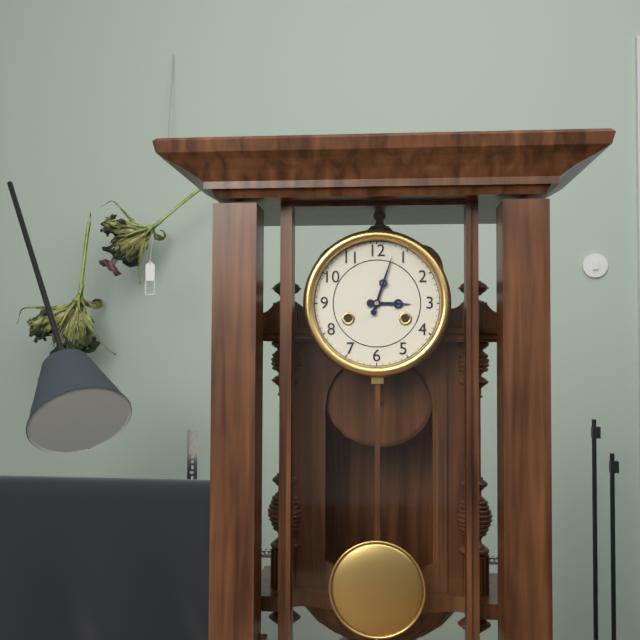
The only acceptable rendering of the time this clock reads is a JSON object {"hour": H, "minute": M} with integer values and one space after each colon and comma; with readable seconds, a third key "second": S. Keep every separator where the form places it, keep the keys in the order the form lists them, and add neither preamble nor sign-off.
{"hour": 3, "minute": 3}
